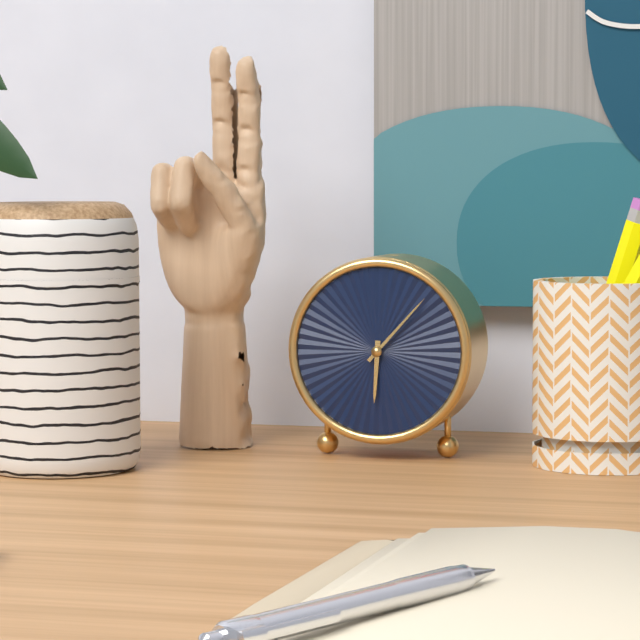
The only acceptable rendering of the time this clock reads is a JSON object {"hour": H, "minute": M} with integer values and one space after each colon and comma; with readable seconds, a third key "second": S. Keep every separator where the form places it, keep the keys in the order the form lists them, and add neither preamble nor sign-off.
{"hour": 6, "minute": 7}
